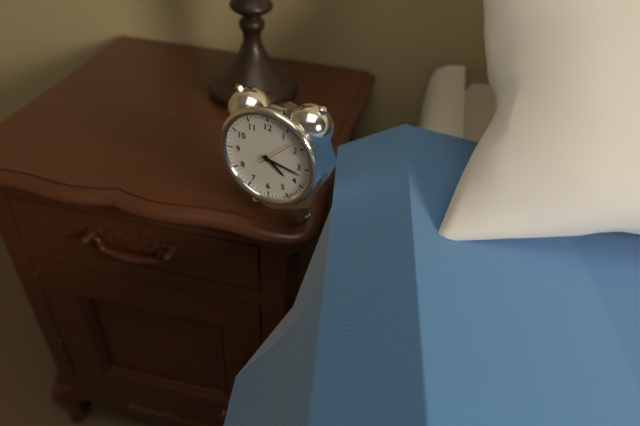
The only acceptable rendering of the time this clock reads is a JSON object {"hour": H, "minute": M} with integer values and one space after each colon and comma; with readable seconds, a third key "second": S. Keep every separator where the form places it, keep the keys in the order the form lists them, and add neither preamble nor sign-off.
{"hour": 4, "minute": 17}
